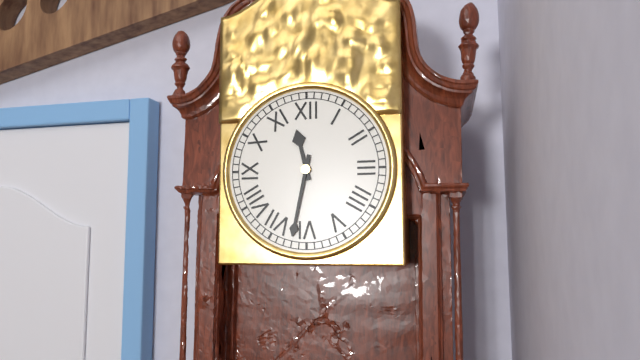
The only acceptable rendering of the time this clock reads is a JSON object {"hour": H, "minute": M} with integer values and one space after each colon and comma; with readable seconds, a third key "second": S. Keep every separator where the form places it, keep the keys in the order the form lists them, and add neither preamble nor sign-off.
{"hour": 11, "minute": 32}
